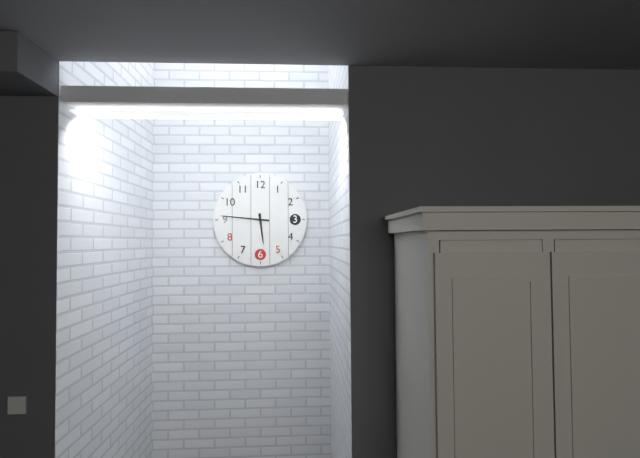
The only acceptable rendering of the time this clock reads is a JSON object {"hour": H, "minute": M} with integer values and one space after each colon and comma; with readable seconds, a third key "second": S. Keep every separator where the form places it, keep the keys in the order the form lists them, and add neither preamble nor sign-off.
{"hour": 5, "minute": 46}
